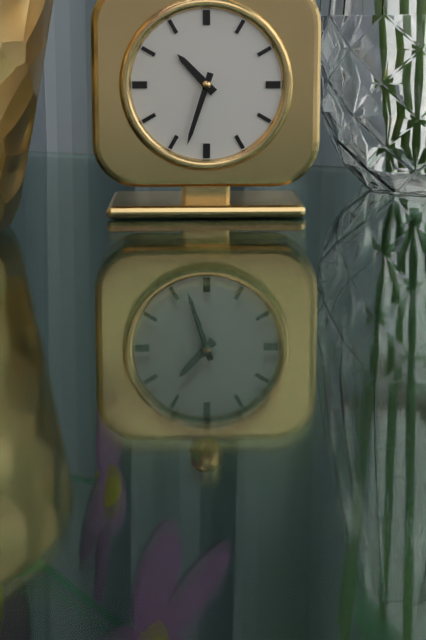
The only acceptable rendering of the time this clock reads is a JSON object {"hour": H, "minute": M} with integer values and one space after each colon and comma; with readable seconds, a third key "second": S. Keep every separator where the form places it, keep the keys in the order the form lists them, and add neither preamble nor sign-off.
{"hour": 10, "minute": 33}
